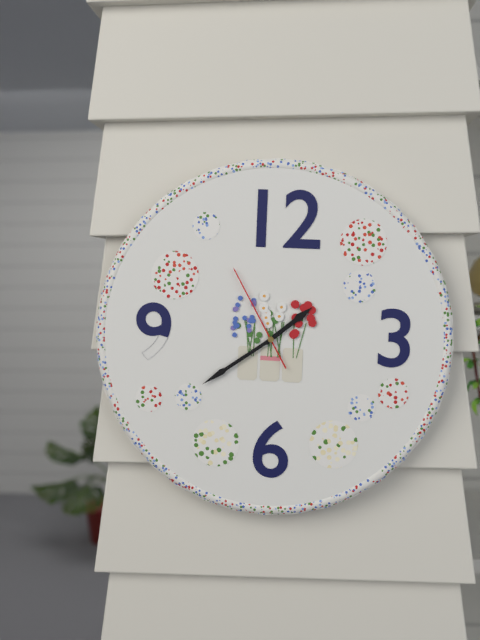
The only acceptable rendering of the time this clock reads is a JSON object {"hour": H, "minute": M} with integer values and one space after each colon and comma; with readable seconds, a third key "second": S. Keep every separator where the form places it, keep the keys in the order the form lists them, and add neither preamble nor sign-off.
{"hour": 1, "minute": 39, "second": 55}
